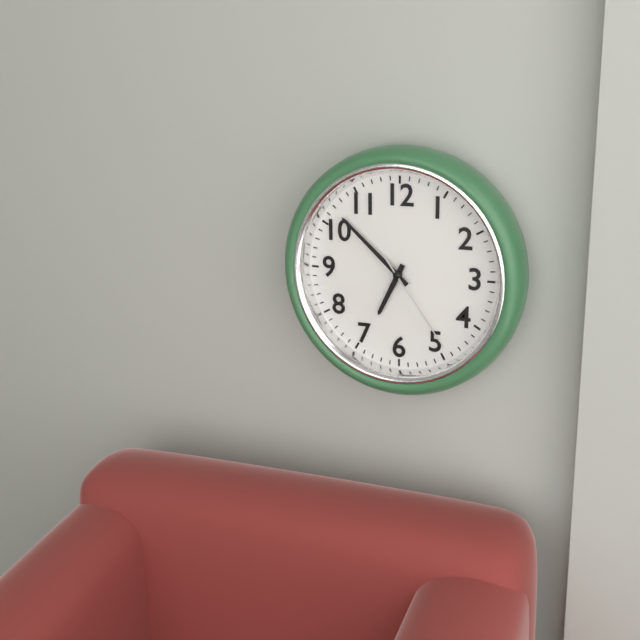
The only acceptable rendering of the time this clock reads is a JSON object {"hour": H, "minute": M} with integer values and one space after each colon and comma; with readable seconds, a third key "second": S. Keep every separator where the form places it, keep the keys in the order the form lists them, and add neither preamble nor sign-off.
{"hour": 6, "minute": 52, "second": 24}
